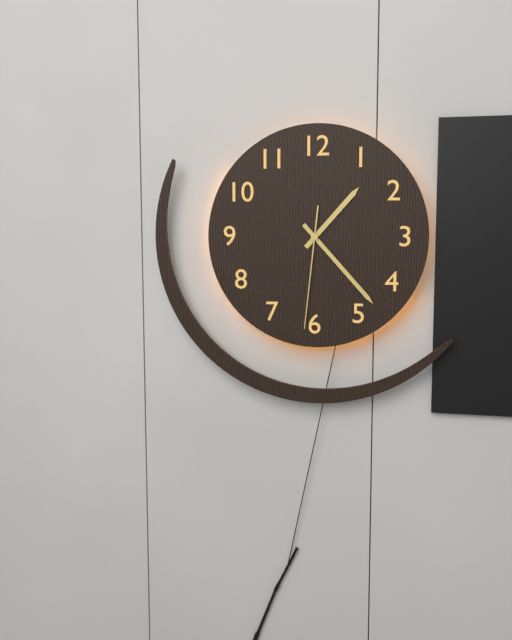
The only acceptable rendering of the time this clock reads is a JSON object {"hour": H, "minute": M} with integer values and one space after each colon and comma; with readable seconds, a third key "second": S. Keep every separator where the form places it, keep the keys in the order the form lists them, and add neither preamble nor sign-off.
{"hour": 1, "minute": 23, "second": 31}
